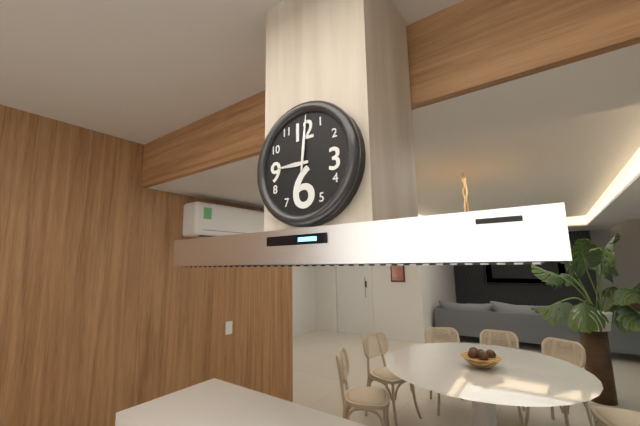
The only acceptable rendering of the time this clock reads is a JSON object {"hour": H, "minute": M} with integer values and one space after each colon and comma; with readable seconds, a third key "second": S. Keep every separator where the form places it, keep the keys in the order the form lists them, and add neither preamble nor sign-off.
{"hour": 9, "minute": 1}
